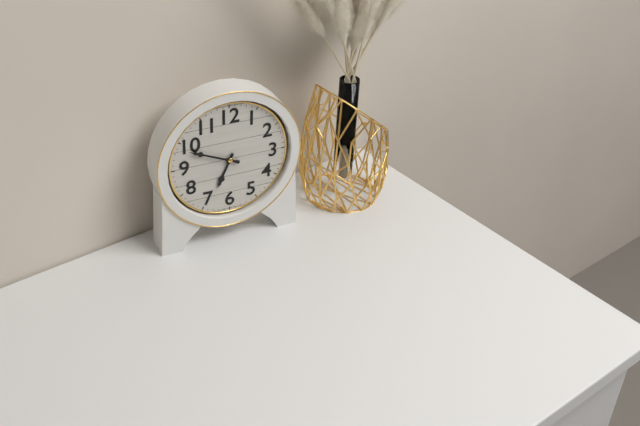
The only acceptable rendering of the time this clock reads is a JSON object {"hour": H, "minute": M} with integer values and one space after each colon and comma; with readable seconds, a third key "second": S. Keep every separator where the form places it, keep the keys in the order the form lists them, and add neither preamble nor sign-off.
{"hour": 6, "minute": 49}
